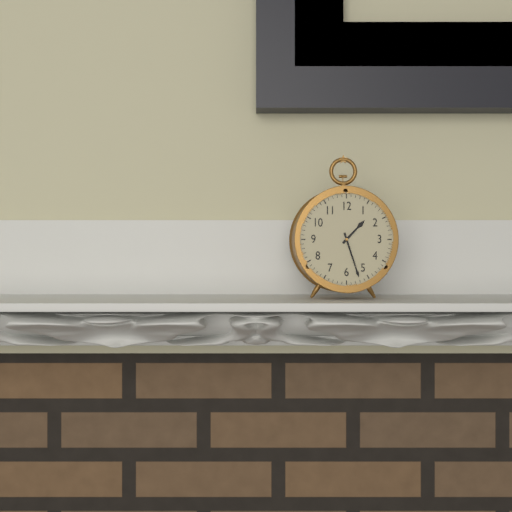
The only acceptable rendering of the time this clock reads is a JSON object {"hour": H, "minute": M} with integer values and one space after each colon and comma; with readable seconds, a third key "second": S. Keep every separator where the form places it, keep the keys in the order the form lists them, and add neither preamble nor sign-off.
{"hour": 1, "minute": 27}
